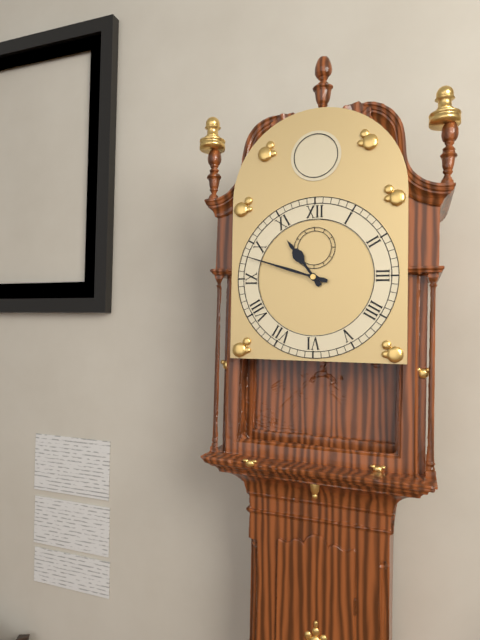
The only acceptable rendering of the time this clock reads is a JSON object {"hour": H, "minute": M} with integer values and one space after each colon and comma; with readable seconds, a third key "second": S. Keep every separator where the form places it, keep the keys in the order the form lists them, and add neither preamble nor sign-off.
{"hour": 10, "minute": 48}
